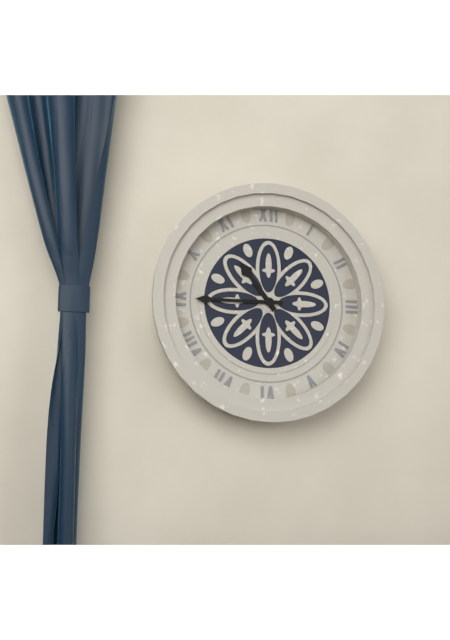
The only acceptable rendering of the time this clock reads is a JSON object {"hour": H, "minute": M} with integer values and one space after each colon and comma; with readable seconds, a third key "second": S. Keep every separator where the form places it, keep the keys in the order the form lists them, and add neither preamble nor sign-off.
{"hour": 10, "minute": 45}
